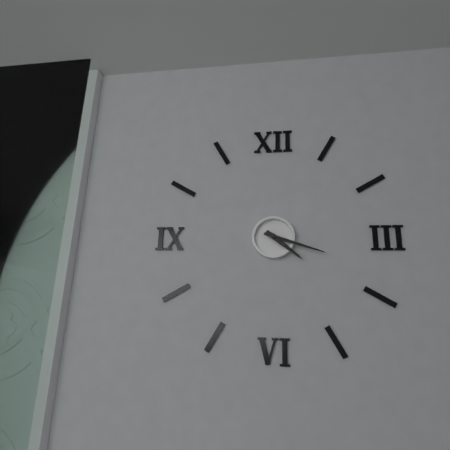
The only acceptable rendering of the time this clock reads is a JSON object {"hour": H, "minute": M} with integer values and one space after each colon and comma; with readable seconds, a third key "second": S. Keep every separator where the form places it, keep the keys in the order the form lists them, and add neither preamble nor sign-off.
{"hour": 4, "minute": 18}
